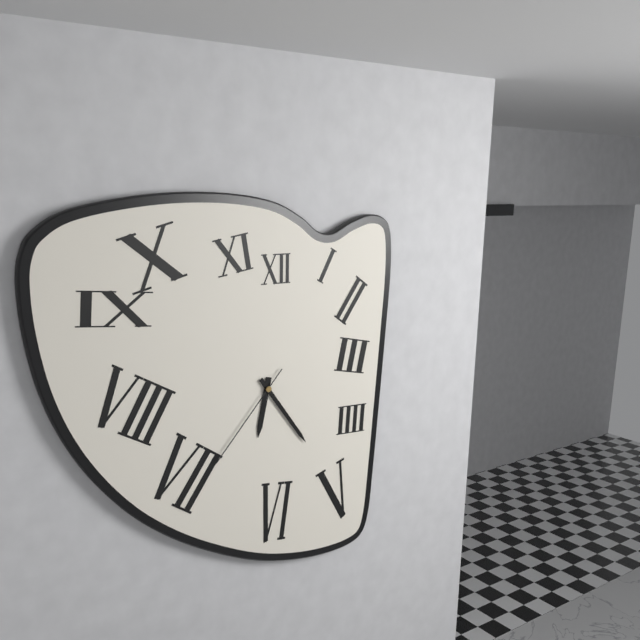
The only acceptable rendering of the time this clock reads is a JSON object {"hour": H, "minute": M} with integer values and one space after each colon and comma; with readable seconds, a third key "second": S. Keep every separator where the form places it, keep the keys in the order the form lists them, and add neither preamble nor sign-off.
{"hour": 6, "minute": 24, "second": 37}
